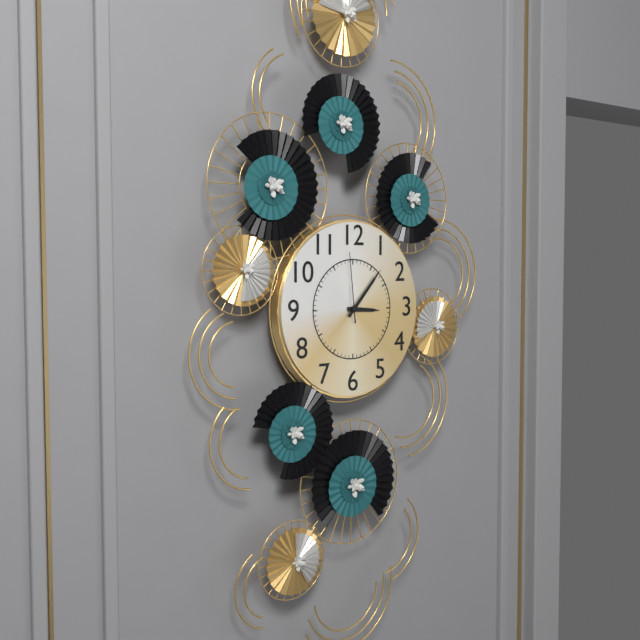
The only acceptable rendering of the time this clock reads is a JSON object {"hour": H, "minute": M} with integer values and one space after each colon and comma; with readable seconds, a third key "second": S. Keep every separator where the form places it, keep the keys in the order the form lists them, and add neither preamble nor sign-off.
{"hour": 3, "minute": 7, "second": 59}
